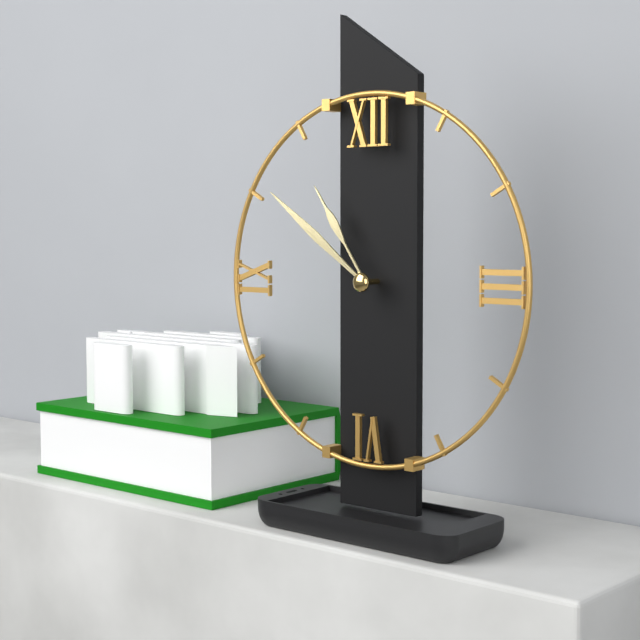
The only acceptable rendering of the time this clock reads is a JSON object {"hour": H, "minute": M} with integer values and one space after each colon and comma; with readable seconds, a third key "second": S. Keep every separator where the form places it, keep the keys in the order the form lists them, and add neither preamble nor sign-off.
{"hour": 10, "minute": 51}
